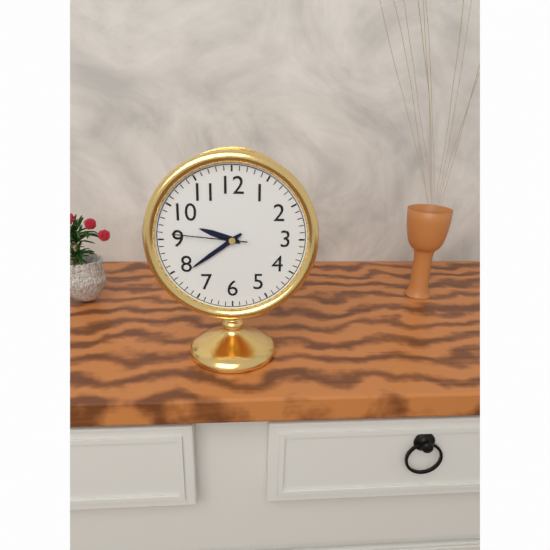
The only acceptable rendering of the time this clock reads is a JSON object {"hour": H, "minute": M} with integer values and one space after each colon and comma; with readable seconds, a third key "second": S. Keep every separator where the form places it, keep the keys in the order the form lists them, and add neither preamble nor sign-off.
{"hour": 9, "minute": 39, "second": 46}
